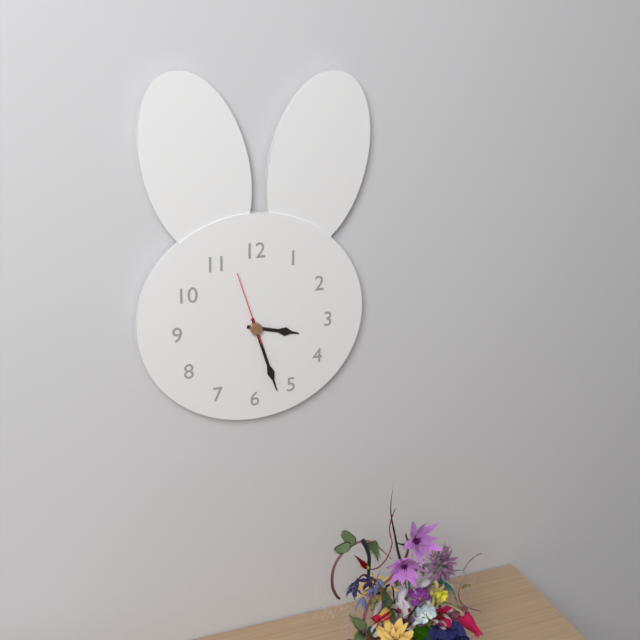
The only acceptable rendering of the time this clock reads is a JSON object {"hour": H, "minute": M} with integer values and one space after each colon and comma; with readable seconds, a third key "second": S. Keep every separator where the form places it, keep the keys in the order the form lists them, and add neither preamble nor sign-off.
{"hour": 3, "minute": 27, "second": 57}
